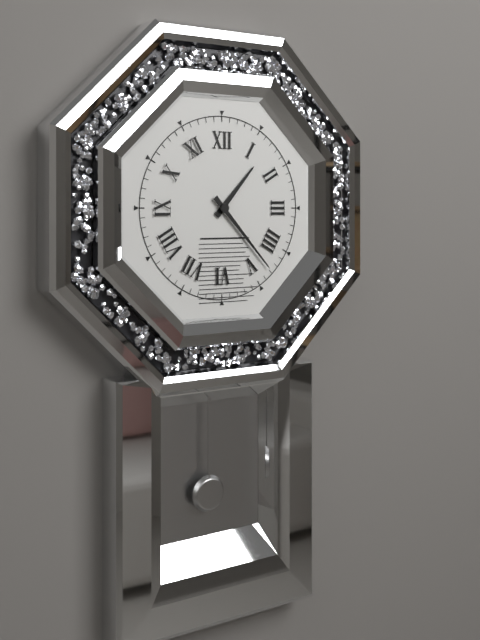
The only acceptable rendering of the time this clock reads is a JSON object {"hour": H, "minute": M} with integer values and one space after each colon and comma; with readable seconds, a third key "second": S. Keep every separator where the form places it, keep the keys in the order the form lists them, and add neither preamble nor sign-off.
{"hour": 1, "minute": 23}
